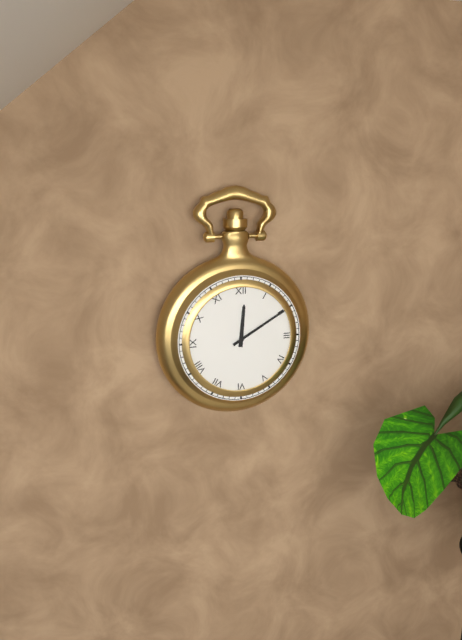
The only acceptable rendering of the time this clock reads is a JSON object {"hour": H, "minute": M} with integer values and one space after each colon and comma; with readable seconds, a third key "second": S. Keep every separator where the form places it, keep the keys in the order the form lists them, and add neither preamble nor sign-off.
{"hour": 12, "minute": 10}
